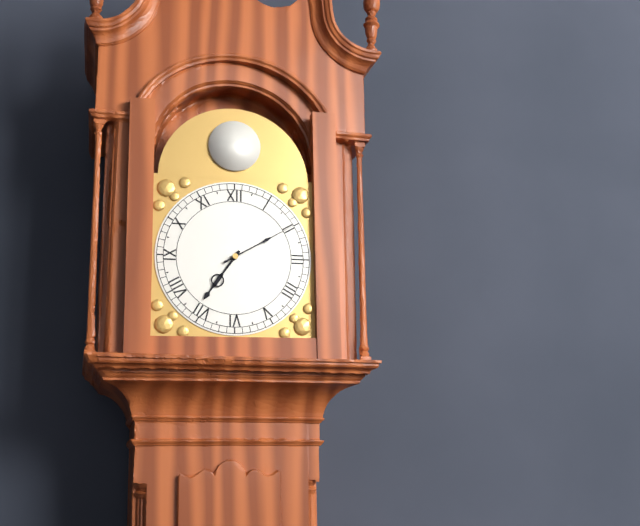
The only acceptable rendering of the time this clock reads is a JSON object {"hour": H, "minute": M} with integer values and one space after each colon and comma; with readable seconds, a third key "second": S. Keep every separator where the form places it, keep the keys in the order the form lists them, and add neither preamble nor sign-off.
{"hour": 7, "minute": 10}
